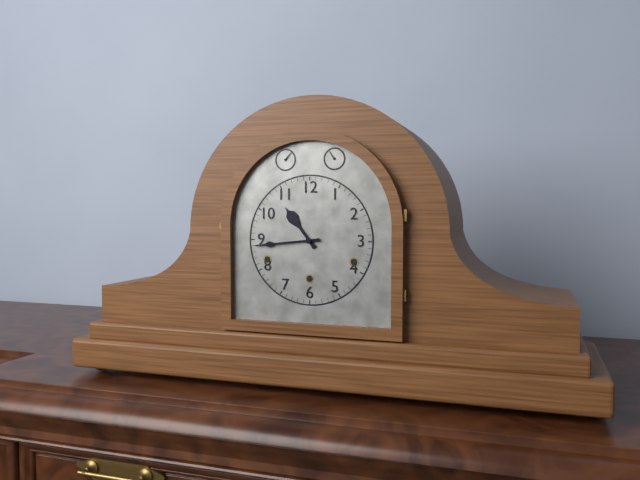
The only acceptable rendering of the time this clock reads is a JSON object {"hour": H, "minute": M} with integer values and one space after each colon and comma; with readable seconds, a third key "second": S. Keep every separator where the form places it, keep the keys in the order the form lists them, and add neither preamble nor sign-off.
{"hour": 10, "minute": 44}
